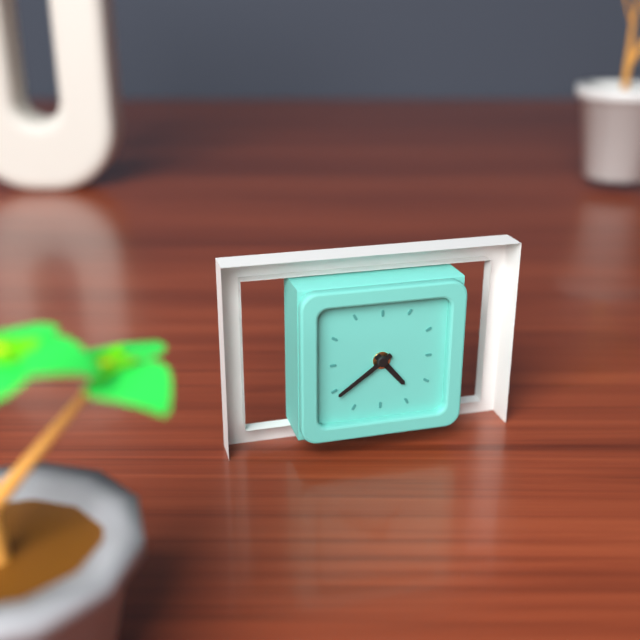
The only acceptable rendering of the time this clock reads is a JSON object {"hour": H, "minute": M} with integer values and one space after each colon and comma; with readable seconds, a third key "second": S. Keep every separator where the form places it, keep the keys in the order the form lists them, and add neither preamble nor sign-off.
{"hour": 4, "minute": 39}
